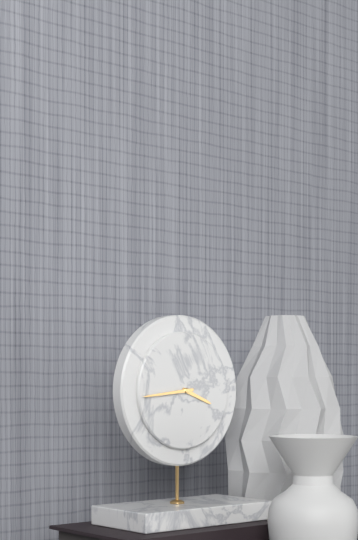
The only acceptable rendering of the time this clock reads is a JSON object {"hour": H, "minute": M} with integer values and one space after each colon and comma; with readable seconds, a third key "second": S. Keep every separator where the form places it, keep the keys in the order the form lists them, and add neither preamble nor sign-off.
{"hour": 3, "minute": 44}
